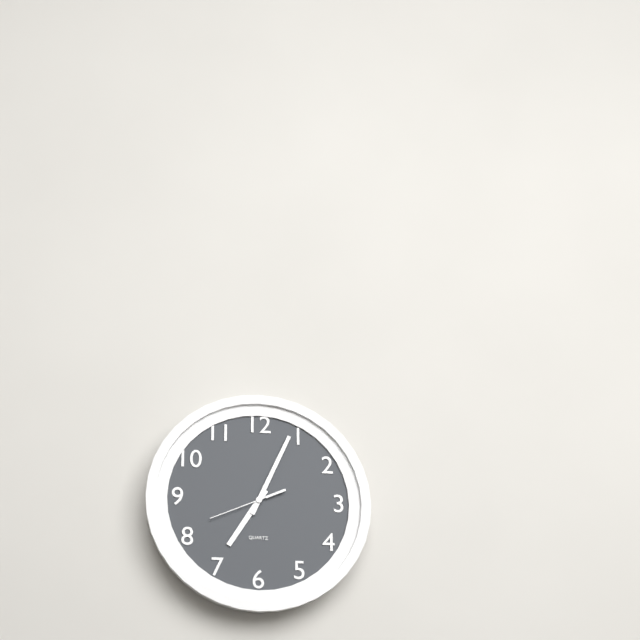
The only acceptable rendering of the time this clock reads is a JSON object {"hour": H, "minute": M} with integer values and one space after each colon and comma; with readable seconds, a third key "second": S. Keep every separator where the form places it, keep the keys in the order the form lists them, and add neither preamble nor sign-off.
{"hour": 7, "minute": 4, "second": 41}
